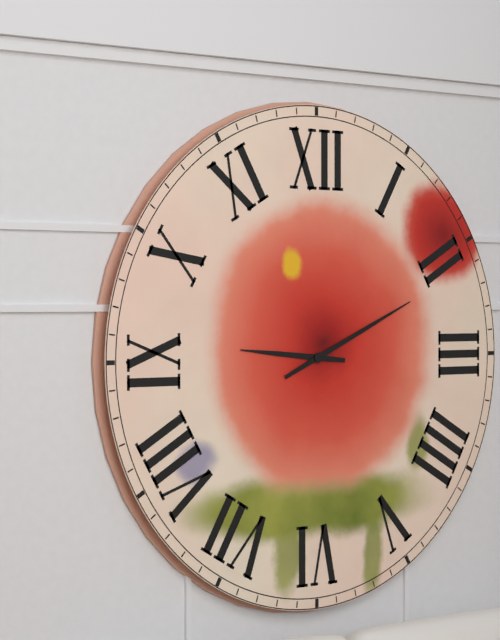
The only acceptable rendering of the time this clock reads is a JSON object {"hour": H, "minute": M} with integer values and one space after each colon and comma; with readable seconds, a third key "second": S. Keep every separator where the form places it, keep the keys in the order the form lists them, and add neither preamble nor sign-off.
{"hour": 9, "minute": 11}
